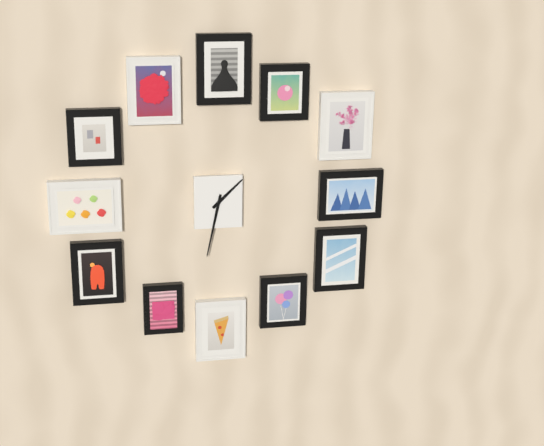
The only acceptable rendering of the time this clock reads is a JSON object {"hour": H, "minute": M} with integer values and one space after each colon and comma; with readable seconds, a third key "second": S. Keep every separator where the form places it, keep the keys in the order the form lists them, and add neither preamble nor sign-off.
{"hour": 1, "minute": 32}
